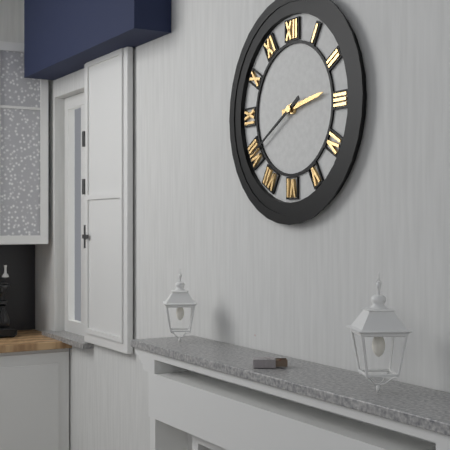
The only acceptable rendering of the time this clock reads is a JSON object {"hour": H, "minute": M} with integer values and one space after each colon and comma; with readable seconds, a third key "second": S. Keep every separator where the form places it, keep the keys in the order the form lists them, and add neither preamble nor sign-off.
{"hour": 2, "minute": 40}
